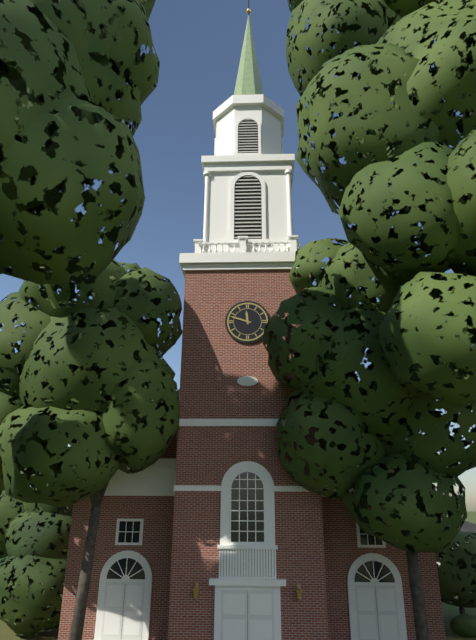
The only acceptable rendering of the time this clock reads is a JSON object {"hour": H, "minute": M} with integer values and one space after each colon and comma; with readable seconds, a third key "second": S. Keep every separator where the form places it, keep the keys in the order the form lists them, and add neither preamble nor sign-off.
{"hour": 11, "minute": 48}
